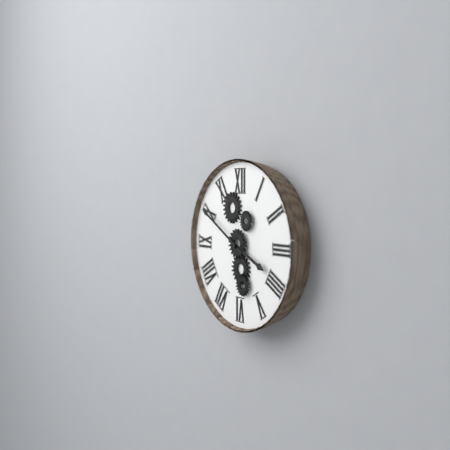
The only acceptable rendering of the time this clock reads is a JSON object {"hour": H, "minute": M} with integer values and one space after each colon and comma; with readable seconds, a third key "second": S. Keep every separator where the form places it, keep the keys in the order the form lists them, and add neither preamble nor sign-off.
{"hour": 3, "minute": 50}
